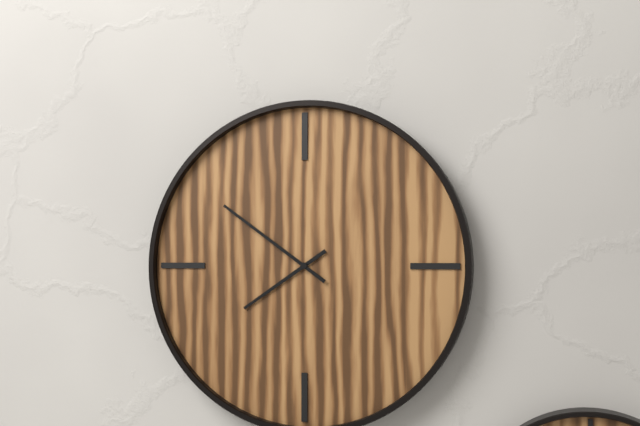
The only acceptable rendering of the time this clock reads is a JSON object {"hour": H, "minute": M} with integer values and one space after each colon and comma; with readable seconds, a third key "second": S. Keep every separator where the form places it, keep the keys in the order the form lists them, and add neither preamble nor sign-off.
{"hour": 7, "minute": 51}
